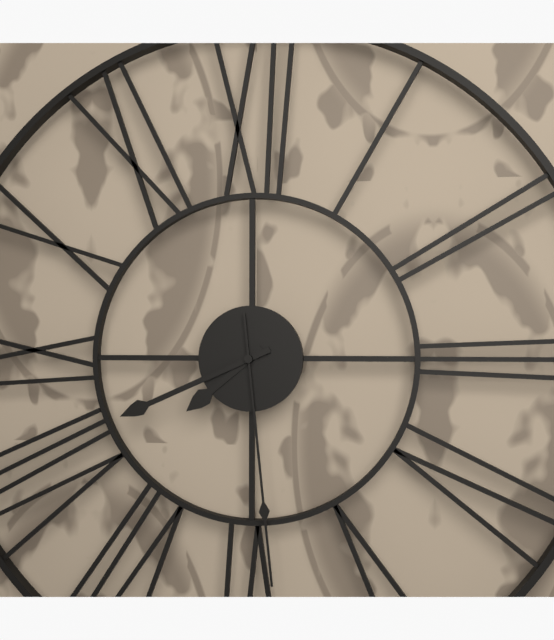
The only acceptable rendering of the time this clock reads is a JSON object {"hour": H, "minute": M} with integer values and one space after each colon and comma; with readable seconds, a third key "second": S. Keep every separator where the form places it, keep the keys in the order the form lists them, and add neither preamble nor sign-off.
{"hour": 7, "minute": 41, "second": 29}
